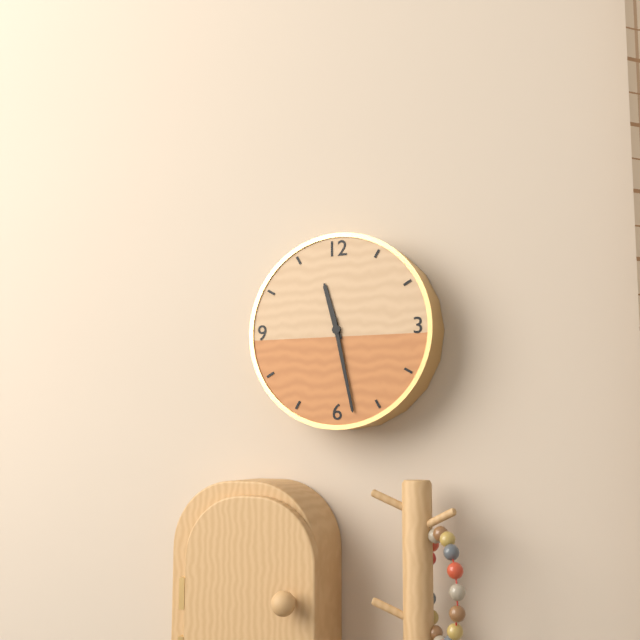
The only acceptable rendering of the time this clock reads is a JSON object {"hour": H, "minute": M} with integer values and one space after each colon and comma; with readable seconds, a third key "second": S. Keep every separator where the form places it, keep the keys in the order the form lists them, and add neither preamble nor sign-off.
{"hour": 11, "minute": 28}
